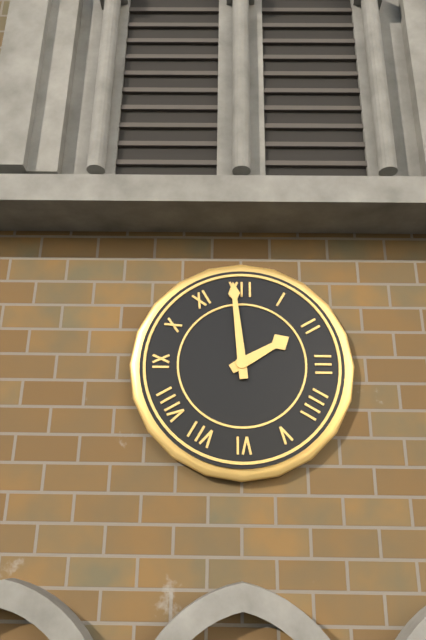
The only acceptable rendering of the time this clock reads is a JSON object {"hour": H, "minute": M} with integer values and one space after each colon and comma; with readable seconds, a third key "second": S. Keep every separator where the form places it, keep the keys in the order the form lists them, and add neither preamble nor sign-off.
{"hour": 1, "minute": 59}
